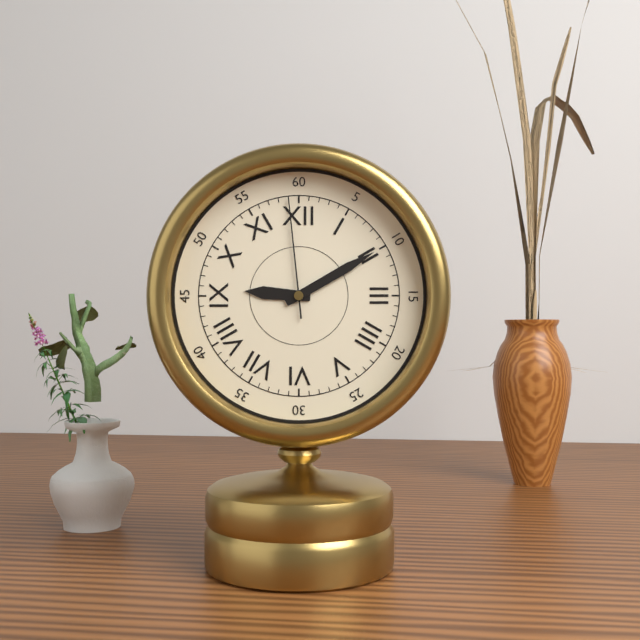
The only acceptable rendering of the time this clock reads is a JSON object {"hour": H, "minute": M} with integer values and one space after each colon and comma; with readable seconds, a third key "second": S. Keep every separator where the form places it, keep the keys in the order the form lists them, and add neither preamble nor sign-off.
{"hour": 9, "minute": 10, "second": 59}
